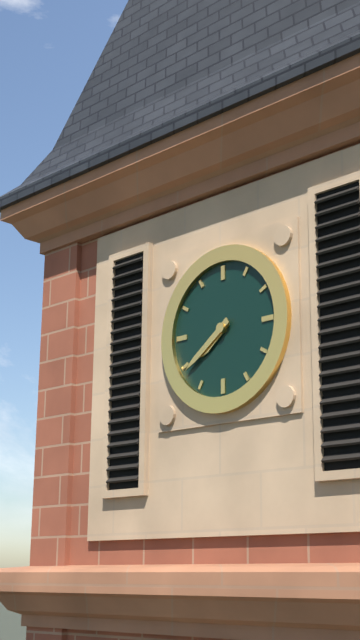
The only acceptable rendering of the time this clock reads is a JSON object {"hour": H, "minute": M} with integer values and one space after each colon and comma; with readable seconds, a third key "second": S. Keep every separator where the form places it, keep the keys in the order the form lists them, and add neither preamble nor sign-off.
{"hour": 7, "minute": 39}
